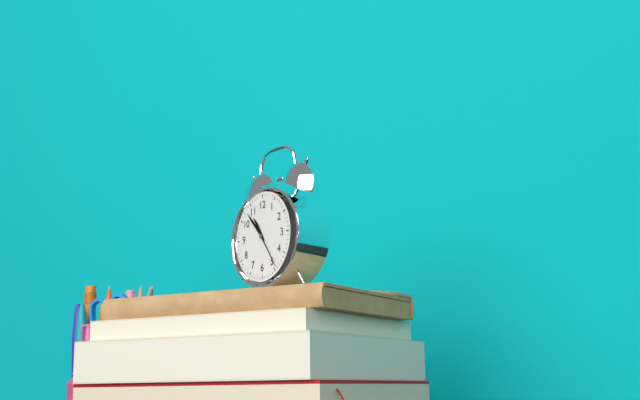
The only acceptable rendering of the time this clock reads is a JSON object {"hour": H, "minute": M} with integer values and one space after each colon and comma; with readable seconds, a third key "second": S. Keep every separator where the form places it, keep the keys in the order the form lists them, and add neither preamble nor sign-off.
{"hour": 10, "minute": 53}
